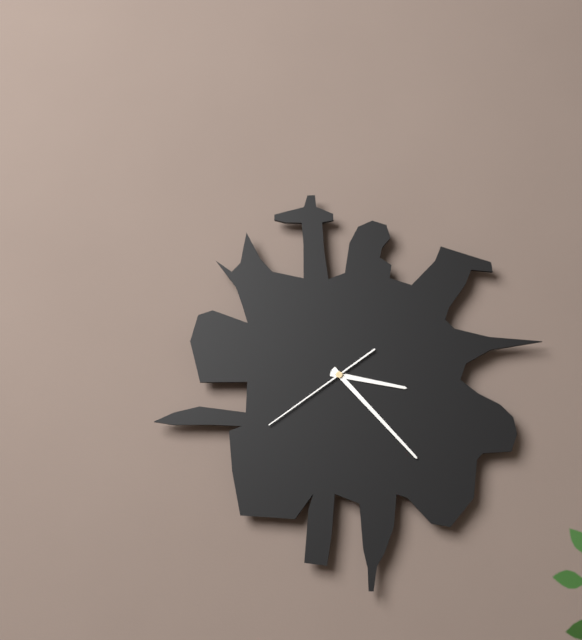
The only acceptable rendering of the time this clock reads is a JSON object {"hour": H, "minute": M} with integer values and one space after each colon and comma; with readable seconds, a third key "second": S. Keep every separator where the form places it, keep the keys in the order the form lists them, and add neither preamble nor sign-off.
{"hour": 3, "minute": 23, "second": 39}
